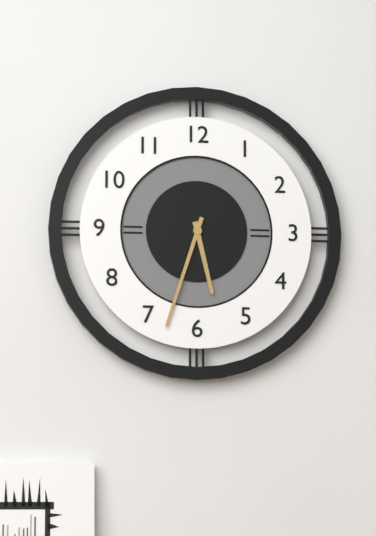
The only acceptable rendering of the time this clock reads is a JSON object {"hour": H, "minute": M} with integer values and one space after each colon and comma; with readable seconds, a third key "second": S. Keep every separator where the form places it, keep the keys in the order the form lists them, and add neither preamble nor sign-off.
{"hour": 5, "minute": 33}
